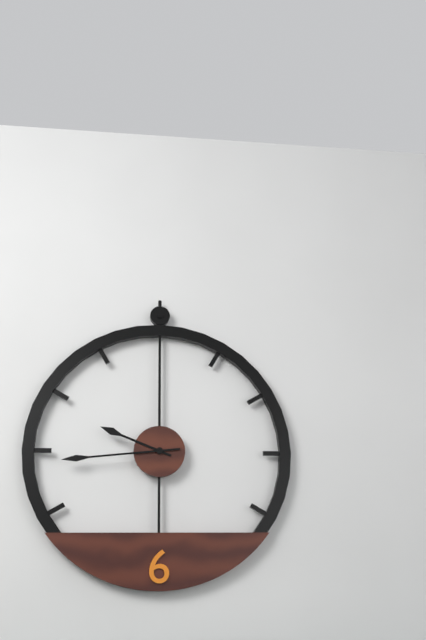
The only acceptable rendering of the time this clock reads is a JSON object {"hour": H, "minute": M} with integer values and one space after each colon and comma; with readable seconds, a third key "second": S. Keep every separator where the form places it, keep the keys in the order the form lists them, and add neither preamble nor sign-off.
{"hour": 9, "minute": 44}
